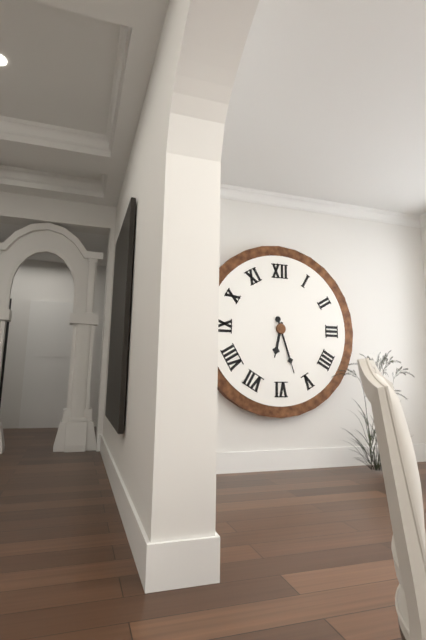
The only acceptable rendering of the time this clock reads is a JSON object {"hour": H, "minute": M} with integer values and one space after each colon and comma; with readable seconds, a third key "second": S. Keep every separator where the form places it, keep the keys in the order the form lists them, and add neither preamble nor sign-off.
{"hour": 6, "minute": 27}
